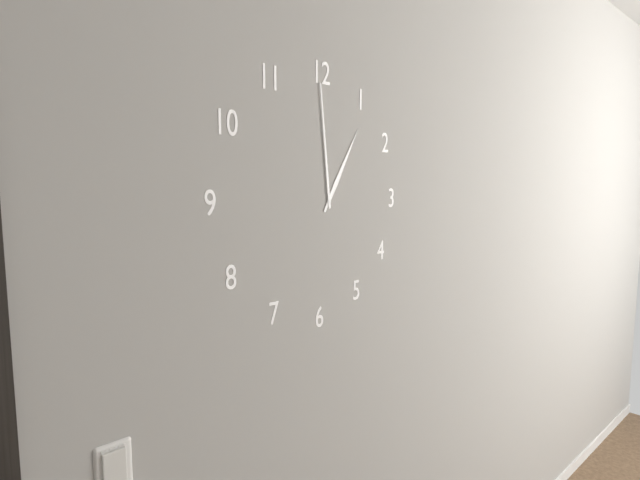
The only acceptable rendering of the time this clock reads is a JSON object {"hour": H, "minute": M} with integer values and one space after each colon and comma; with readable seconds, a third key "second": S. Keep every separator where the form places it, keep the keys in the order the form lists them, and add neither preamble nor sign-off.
{"hour": 12, "minute": 59}
